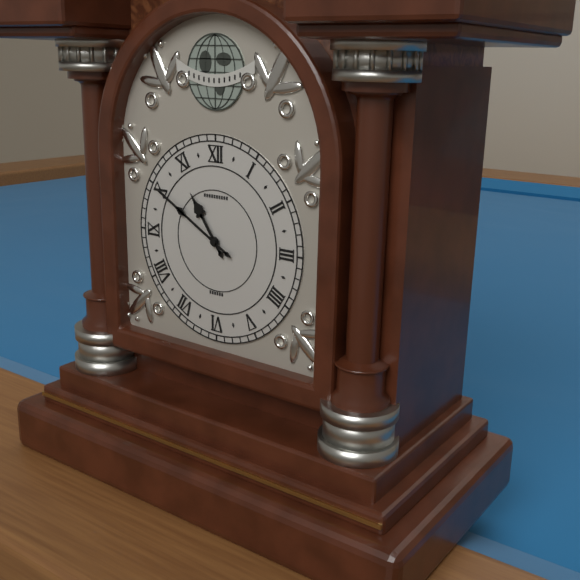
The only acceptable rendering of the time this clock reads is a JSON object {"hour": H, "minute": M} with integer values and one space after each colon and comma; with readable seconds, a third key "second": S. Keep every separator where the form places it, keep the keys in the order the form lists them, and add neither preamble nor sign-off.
{"hour": 10, "minute": 50}
